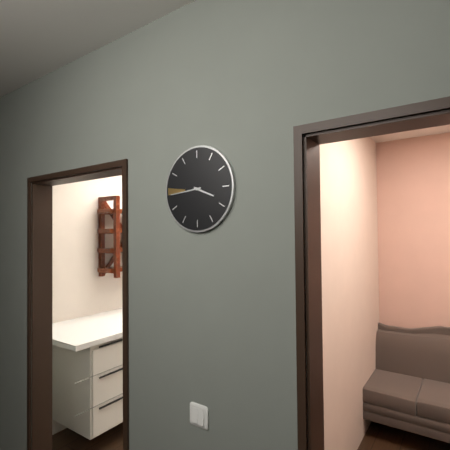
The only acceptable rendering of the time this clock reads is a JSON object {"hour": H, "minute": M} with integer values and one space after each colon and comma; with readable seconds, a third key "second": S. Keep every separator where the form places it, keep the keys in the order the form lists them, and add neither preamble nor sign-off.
{"hour": 3, "minute": 44}
